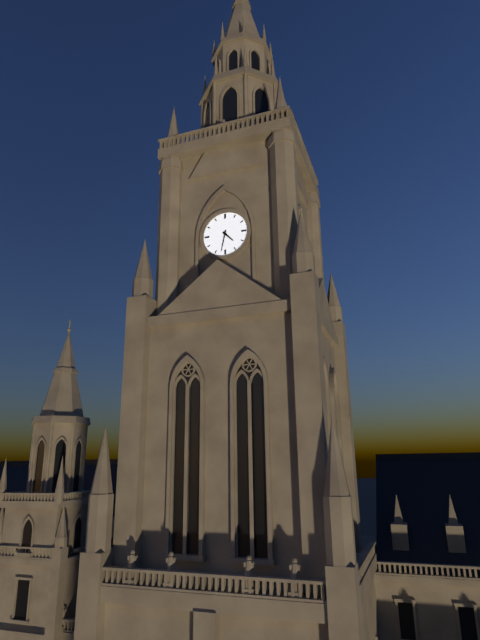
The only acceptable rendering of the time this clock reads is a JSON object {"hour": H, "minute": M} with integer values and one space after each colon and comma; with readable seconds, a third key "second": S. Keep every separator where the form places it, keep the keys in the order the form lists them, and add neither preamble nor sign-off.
{"hour": 4, "minute": 32}
